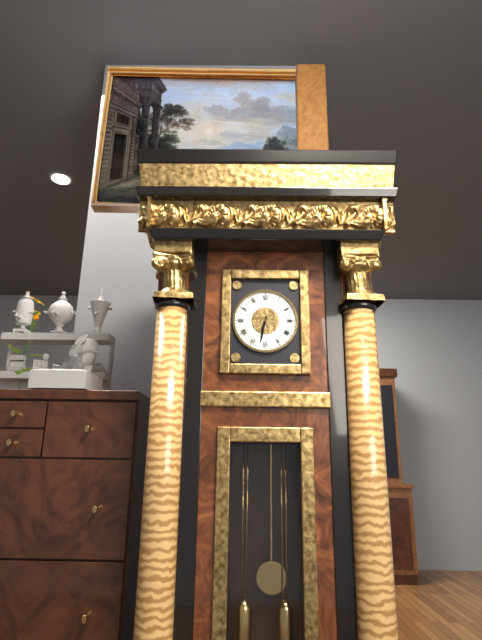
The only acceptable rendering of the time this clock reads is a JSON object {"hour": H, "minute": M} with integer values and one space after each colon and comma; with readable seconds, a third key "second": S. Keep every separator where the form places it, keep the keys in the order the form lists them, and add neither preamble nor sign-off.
{"hour": 6, "minute": 32}
